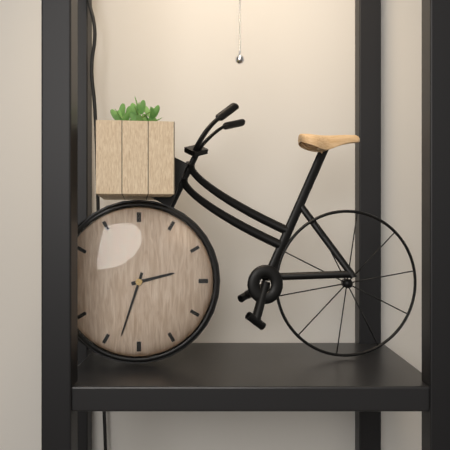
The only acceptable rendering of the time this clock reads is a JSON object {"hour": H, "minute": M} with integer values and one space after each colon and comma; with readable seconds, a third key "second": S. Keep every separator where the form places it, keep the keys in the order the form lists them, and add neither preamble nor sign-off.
{"hour": 2, "minute": 33}
